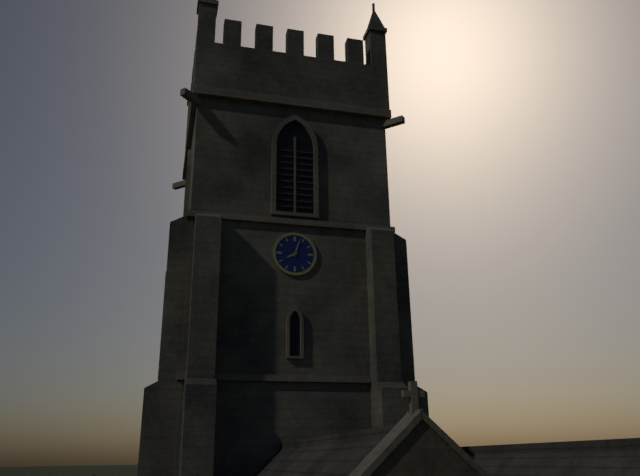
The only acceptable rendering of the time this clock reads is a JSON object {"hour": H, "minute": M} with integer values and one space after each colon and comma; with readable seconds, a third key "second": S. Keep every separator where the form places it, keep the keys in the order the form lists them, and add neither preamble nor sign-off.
{"hour": 8, "minute": 3}
